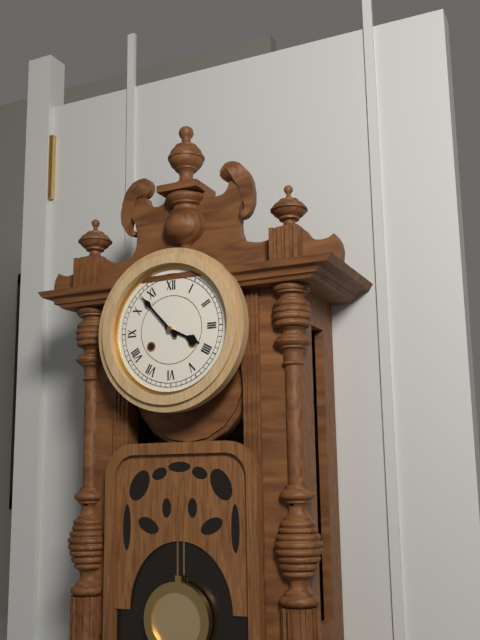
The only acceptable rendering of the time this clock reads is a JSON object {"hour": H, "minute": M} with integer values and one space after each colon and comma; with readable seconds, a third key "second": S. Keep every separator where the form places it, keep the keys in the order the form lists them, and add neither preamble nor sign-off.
{"hour": 3, "minute": 53}
